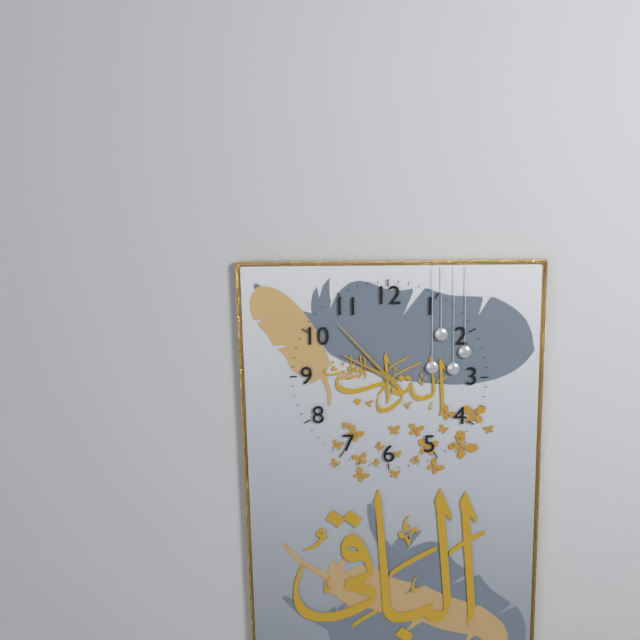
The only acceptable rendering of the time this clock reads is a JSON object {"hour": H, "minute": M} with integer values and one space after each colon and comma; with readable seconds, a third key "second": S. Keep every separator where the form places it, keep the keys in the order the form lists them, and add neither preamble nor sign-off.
{"hour": 9, "minute": 53}
